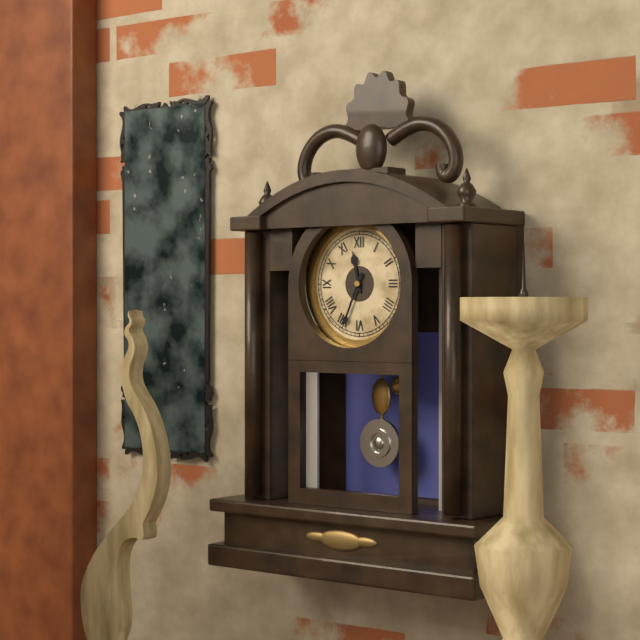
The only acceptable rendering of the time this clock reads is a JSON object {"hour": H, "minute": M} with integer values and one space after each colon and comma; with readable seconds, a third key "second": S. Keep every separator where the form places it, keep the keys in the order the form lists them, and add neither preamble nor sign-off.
{"hour": 11, "minute": 34}
